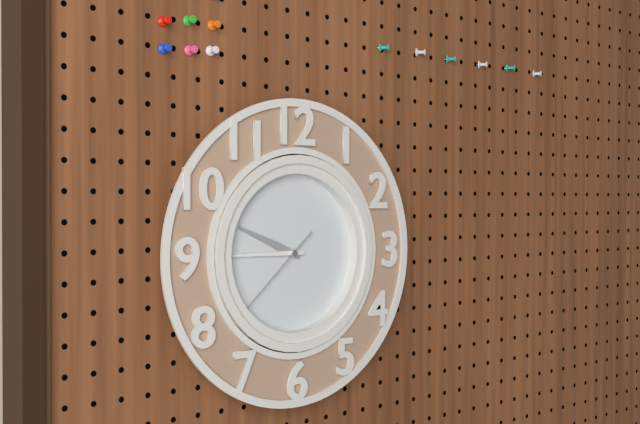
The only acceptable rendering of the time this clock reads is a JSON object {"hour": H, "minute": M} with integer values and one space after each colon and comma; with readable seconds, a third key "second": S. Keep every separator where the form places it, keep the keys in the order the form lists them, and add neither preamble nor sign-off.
{"hour": 9, "minute": 45, "second": 38}
